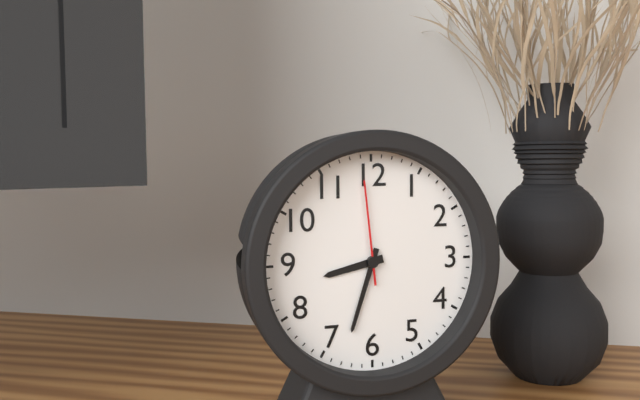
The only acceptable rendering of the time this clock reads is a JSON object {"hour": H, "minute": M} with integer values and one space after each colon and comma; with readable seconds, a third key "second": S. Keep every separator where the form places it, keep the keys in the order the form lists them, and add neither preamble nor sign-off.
{"hour": 8, "minute": 33, "second": 59}
